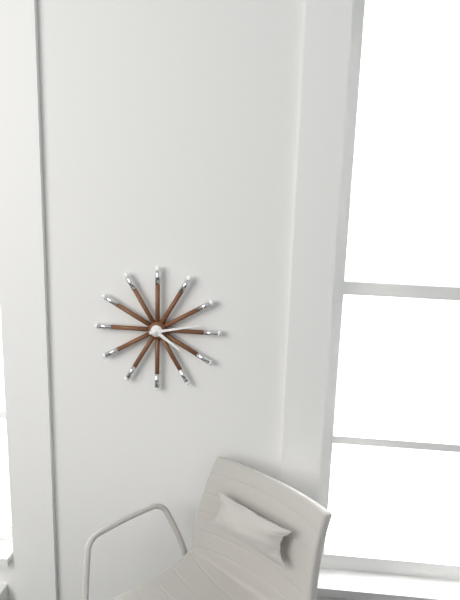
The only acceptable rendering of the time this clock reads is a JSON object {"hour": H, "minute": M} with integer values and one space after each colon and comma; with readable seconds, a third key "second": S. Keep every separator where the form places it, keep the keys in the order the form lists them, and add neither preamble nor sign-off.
{"hour": 4, "minute": 13}
